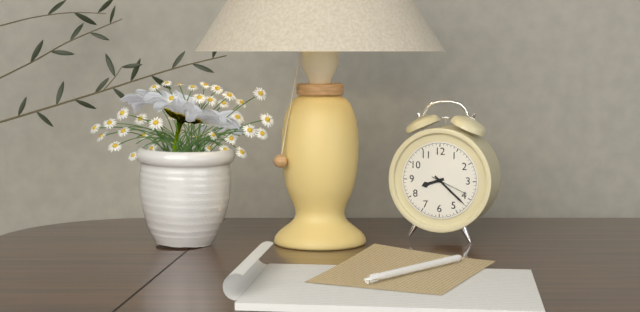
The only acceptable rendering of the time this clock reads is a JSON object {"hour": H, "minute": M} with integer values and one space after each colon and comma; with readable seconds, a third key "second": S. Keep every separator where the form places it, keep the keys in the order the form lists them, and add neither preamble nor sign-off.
{"hour": 8, "minute": 22}
